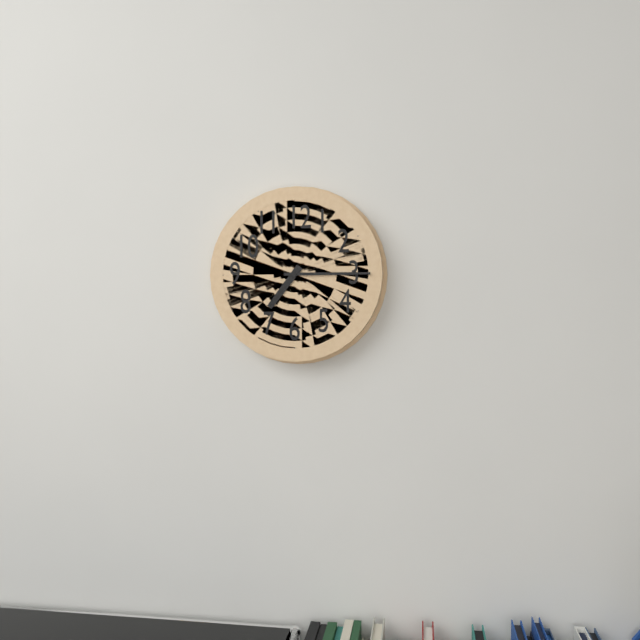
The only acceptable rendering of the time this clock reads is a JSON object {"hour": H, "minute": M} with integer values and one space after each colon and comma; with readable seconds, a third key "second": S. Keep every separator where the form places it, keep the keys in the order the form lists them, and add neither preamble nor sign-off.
{"hour": 7, "minute": 15}
